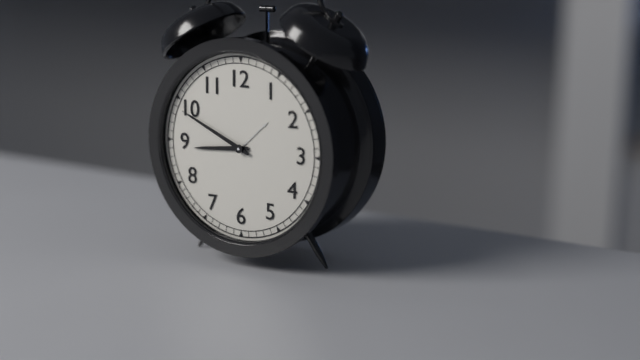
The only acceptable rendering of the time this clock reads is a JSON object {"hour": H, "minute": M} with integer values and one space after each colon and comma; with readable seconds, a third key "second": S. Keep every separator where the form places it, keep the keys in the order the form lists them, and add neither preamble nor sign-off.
{"hour": 8, "minute": 49}
